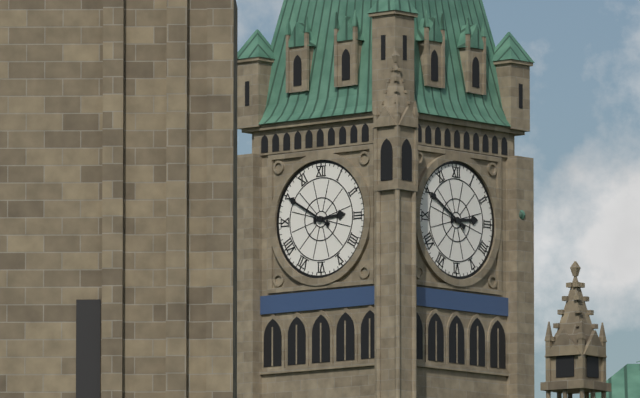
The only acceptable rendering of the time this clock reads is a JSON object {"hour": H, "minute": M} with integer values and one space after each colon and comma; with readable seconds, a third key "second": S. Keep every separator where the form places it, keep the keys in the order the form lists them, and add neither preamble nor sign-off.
{"hour": 2, "minute": 50}
